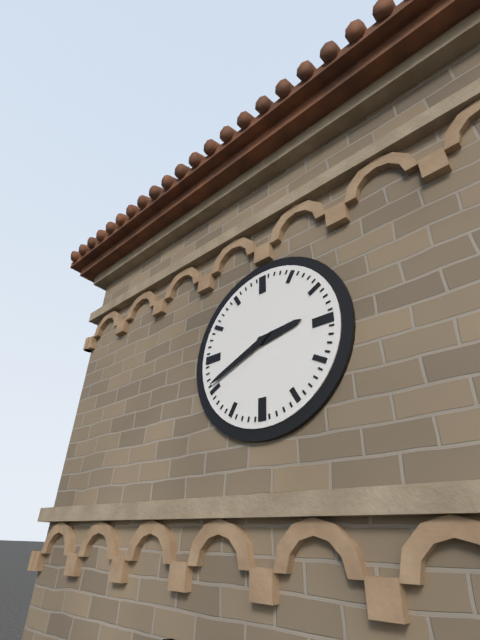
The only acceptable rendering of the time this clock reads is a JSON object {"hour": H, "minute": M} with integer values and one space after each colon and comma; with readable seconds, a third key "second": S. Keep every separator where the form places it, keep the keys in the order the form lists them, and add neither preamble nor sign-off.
{"hour": 2, "minute": 41}
